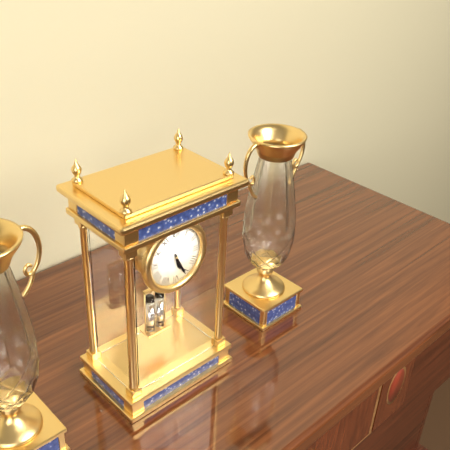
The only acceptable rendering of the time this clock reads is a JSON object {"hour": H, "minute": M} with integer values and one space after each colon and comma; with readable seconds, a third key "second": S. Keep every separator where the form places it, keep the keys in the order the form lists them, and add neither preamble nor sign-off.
{"hour": 5, "minute": 26}
